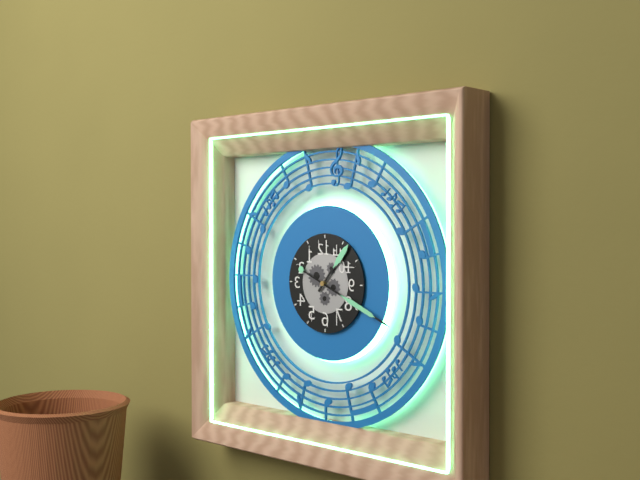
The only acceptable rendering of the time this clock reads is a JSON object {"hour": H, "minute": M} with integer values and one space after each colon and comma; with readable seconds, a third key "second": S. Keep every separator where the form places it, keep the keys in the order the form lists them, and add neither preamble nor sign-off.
{"hour": 1, "minute": 19}
